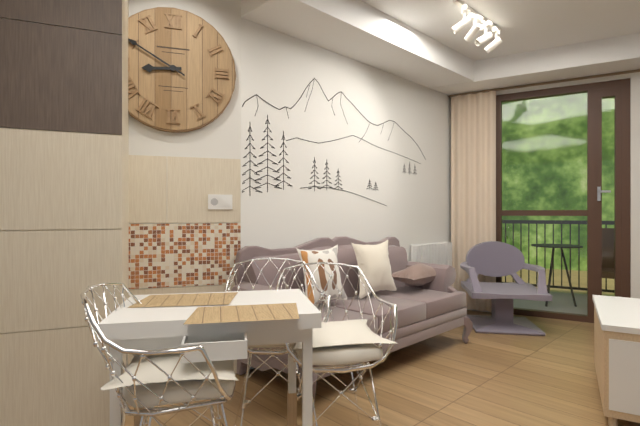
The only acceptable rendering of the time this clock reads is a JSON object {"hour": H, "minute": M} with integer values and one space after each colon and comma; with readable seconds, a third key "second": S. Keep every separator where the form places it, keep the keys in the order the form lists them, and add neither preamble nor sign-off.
{"hour": 8, "minute": 50}
